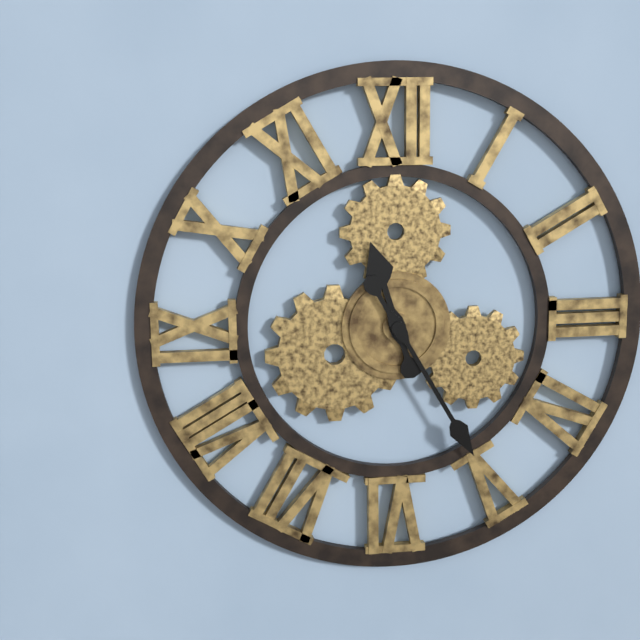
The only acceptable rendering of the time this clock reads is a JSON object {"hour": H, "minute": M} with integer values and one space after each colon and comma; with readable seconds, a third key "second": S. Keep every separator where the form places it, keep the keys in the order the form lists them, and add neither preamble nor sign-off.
{"hour": 11, "minute": 25}
